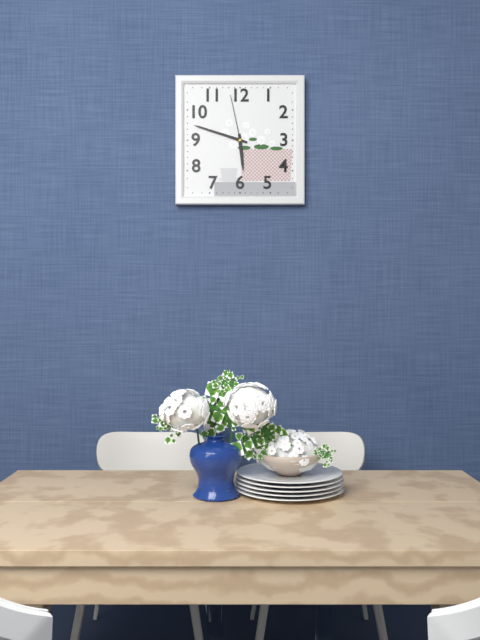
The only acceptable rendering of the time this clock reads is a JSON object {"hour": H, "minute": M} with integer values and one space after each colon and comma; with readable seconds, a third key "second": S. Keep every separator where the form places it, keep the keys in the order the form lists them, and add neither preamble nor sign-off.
{"hour": 5, "minute": 48, "second": 58}
